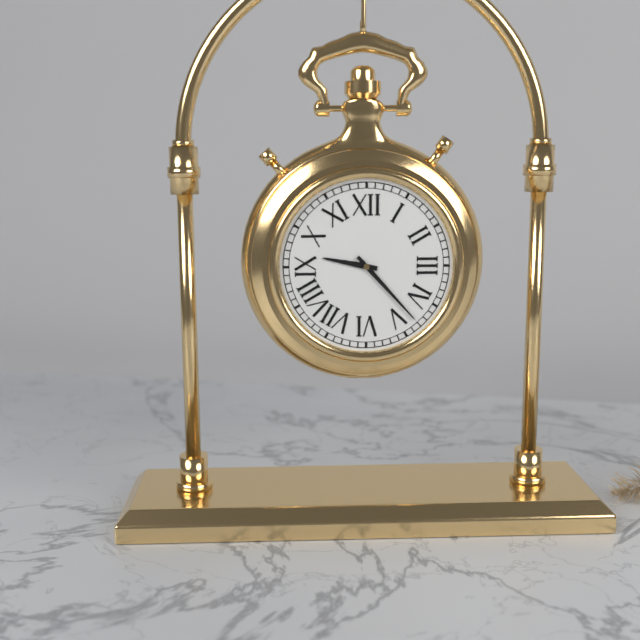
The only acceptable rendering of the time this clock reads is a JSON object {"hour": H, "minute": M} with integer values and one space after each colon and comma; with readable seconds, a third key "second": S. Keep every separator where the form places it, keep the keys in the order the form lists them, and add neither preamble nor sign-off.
{"hour": 9, "minute": 23}
